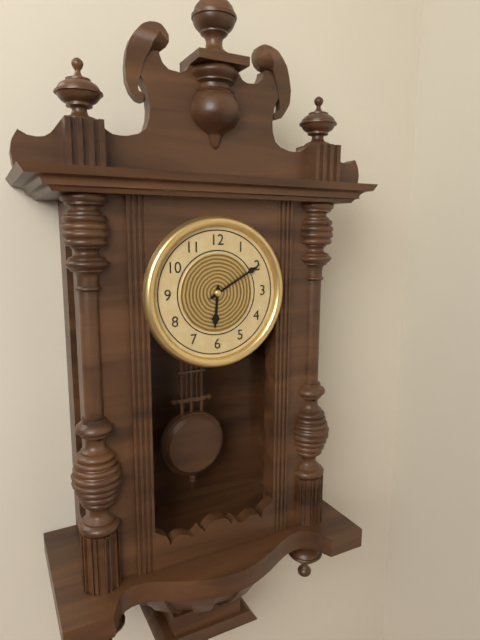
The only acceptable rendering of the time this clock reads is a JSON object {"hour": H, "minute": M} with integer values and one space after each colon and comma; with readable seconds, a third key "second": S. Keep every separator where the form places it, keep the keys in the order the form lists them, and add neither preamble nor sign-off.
{"hour": 6, "minute": 10}
